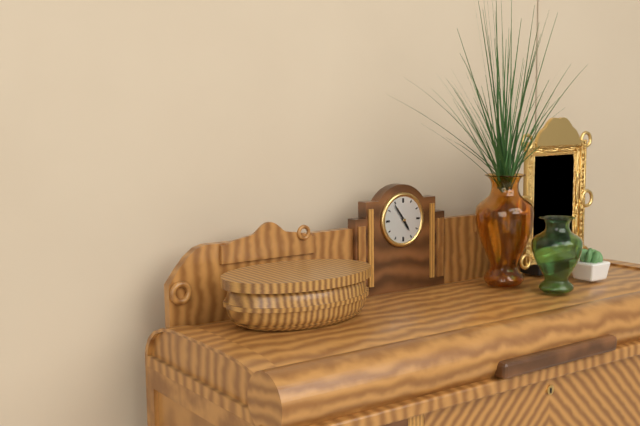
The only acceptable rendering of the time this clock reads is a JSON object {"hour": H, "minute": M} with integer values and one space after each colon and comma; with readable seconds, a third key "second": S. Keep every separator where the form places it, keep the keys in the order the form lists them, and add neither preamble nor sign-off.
{"hour": 4, "minute": 54}
